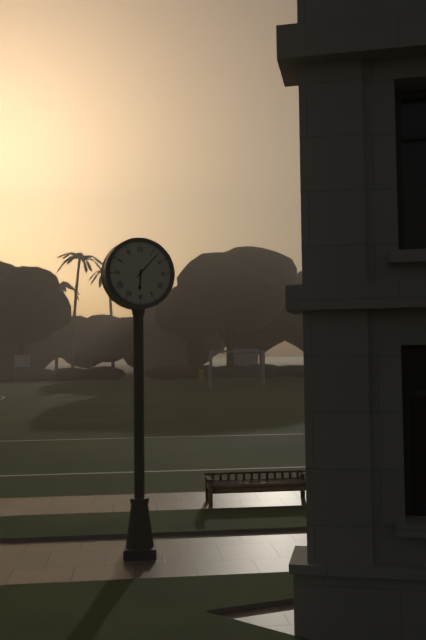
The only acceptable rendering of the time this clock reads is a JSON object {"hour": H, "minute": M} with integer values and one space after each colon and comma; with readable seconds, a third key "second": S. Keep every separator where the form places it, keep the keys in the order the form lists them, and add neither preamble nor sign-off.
{"hour": 6, "minute": 7}
